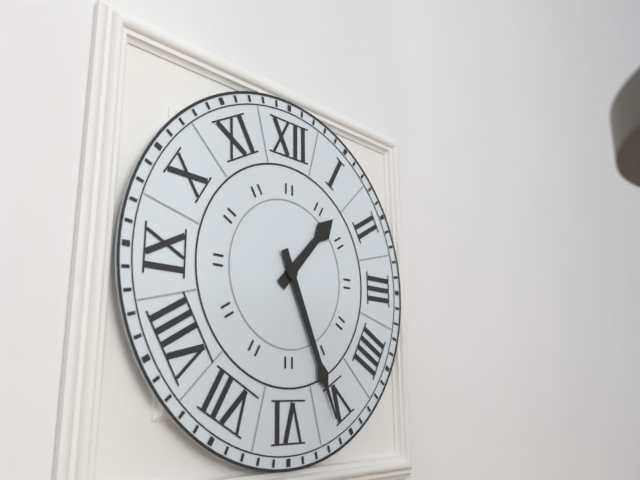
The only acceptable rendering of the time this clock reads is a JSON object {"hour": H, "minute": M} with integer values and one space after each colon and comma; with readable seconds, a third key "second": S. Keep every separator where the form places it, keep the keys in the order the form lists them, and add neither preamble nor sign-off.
{"hour": 1, "minute": 26}
